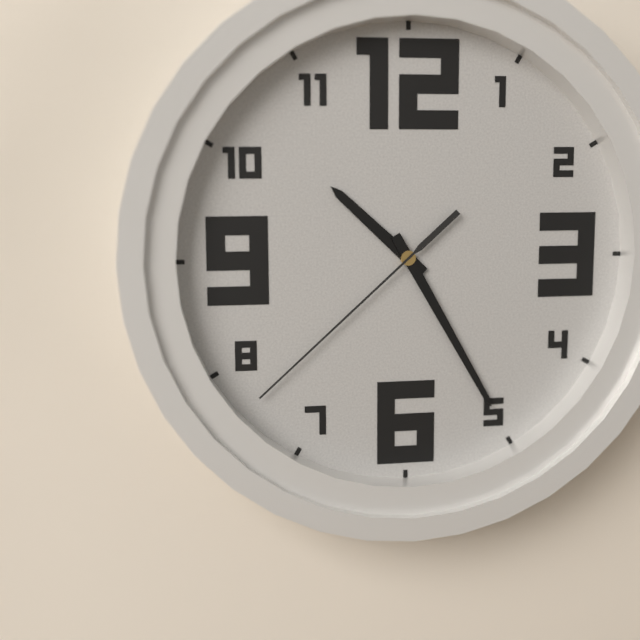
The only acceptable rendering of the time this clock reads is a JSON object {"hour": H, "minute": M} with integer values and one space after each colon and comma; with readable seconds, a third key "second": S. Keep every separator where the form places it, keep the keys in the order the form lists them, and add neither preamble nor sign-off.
{"hour": 10, "minute": 25, "second": 38}
